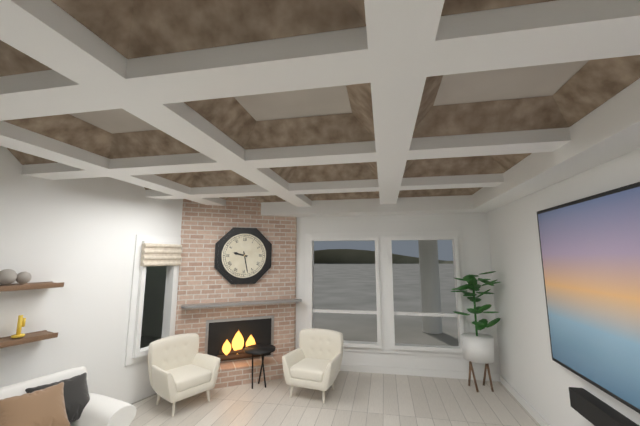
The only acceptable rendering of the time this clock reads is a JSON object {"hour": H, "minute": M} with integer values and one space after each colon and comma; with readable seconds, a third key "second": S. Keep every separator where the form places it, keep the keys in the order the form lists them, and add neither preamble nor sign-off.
{"hour": 9, "minute": 28}
